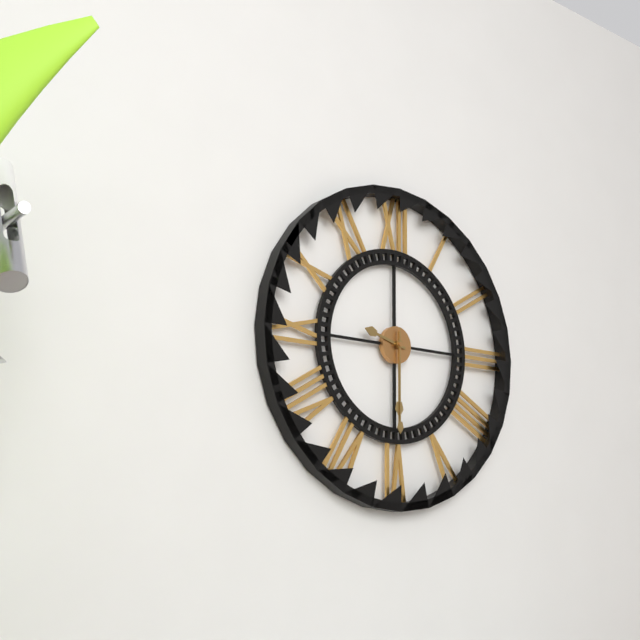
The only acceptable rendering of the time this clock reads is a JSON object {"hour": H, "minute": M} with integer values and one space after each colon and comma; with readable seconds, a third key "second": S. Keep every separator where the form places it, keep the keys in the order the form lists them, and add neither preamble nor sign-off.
{"hour": 9, "minute": 30, "second": 30}
